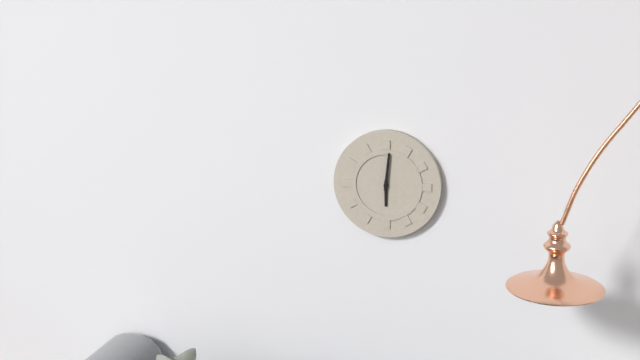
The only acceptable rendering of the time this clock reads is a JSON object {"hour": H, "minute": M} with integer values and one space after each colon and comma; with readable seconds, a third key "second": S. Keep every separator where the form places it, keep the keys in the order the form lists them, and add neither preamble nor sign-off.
{"hour": 6, "minute": 1}
